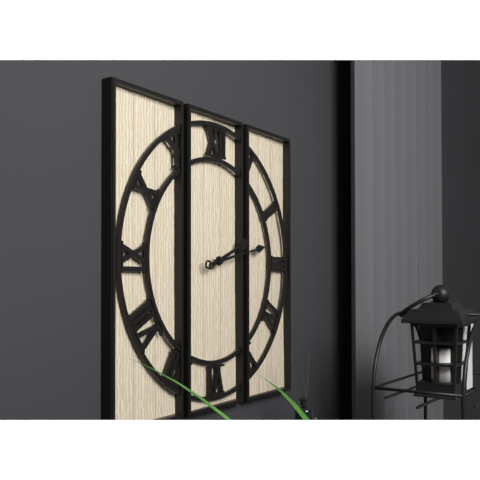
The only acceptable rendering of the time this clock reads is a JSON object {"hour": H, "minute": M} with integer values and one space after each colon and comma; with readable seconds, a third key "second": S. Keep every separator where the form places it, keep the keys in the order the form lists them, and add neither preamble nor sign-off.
{"hour": 2, "minute": 13}
